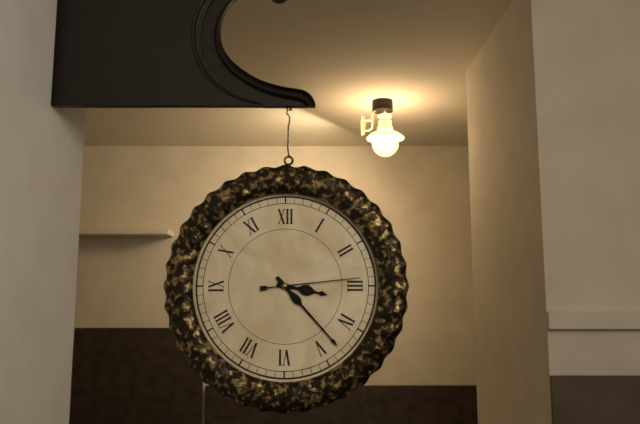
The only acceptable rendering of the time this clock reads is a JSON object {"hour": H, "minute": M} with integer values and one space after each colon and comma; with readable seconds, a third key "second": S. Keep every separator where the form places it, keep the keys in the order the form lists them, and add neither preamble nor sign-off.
{"hour": 3, "minute": 23, "second": 14}
